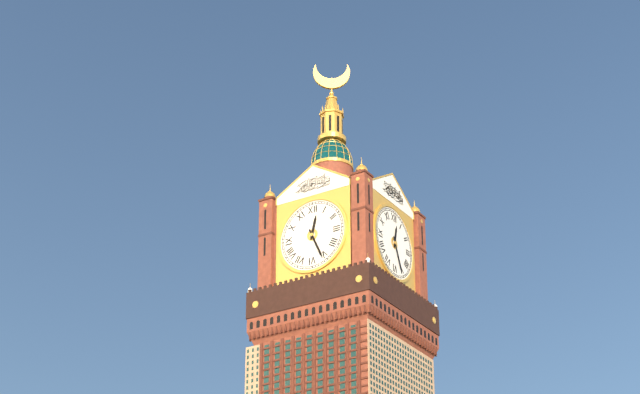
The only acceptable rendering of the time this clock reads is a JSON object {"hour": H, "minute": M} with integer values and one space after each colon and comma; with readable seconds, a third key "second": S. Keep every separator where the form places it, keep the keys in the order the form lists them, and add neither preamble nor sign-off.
{"hour": 12, "minute": 26}
